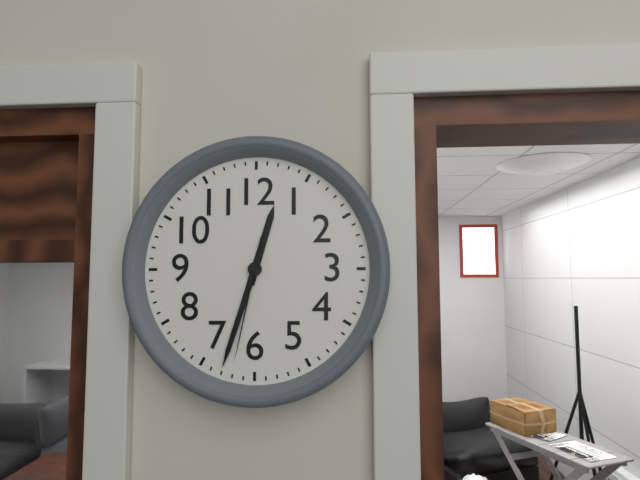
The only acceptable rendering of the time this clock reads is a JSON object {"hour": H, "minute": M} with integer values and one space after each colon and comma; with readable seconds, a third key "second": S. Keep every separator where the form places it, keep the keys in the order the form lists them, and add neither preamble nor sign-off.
{"hour": 12, "minute": 33, "second": 32}
